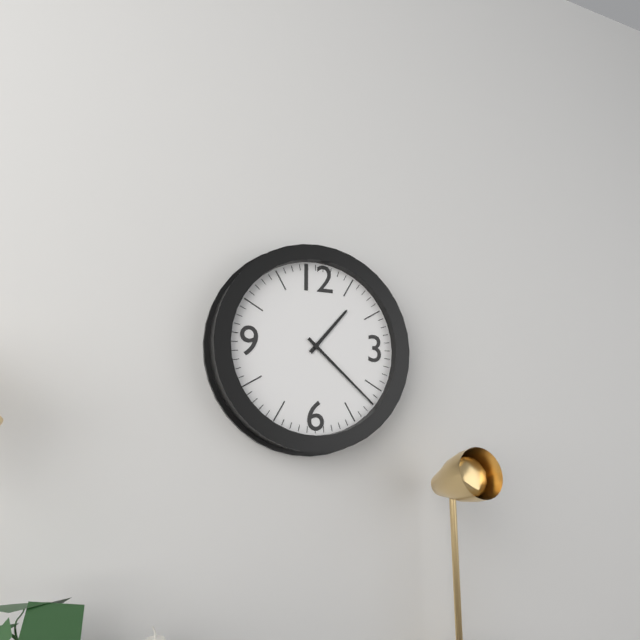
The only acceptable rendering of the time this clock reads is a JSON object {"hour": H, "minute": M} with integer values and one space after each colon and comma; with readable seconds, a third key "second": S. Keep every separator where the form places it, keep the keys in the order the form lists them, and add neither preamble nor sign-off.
{"hour": 1, "minute": 22}
